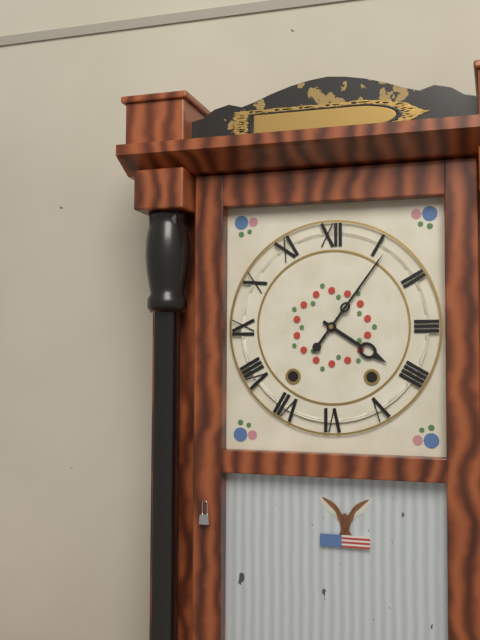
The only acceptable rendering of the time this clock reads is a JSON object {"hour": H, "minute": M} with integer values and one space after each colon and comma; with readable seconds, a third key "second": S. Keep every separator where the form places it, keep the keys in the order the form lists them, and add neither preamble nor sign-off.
{"hour": 4, "minute": 6}
